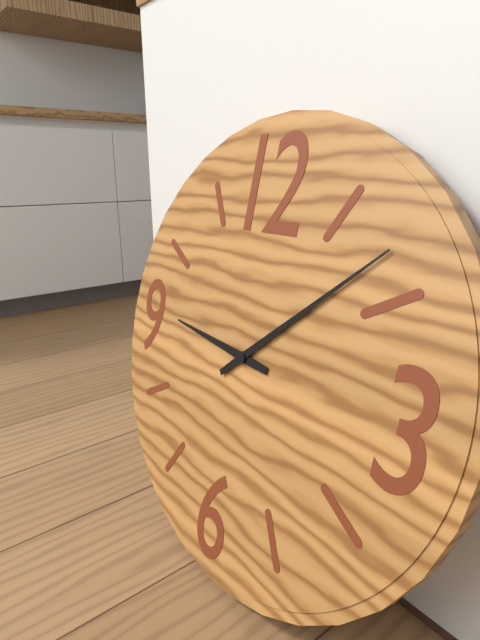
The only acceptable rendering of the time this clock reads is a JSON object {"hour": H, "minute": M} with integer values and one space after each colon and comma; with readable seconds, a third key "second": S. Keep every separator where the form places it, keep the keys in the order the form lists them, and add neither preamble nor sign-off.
{"hour": 9, "minute": 8}
